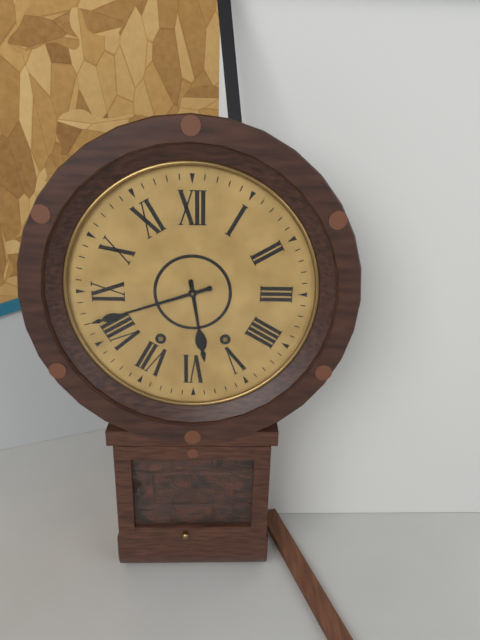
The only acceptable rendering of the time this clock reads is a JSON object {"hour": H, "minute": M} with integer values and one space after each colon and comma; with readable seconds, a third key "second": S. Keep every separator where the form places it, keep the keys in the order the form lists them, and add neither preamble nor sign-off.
{"hour": 5, "minute": 42}
